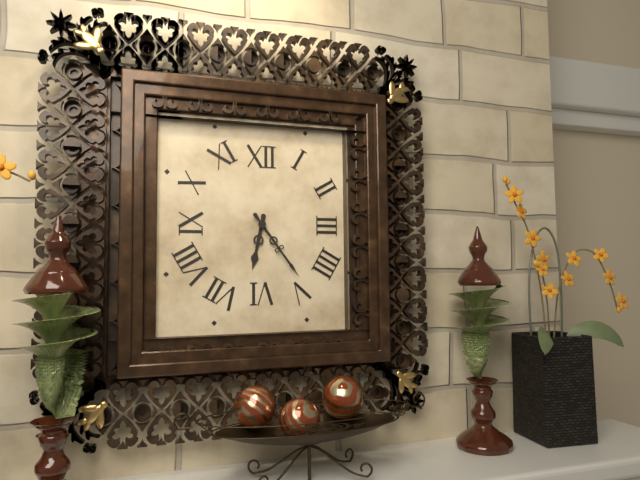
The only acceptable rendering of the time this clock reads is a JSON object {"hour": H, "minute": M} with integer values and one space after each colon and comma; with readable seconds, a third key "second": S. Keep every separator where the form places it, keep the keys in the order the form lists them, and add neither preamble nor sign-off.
{"hour": 6, "minute": 24}
